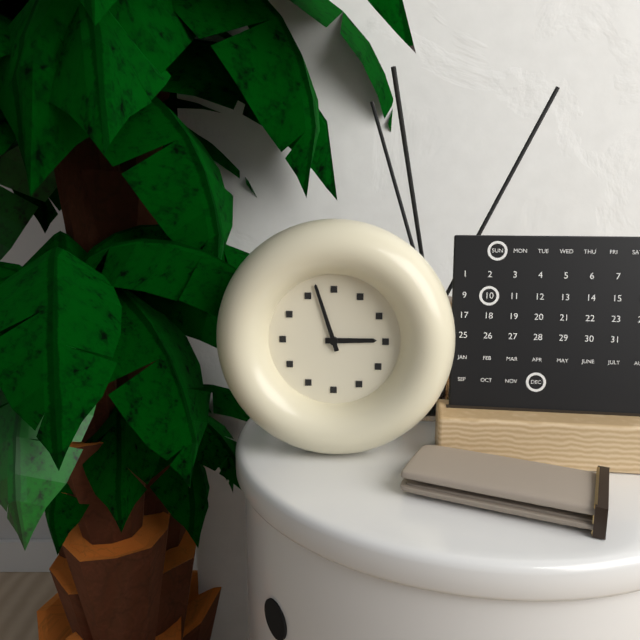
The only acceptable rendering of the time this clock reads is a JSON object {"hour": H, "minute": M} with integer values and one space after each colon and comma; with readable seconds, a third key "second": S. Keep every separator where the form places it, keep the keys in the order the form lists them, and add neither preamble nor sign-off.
{"hour": 2, "minute": 57}
